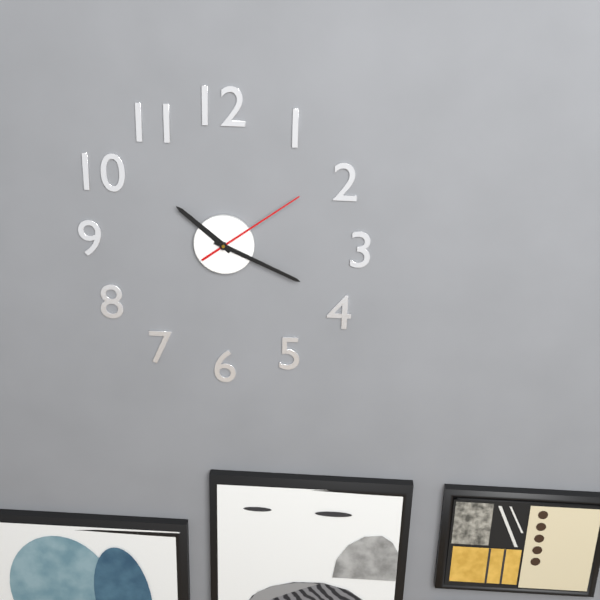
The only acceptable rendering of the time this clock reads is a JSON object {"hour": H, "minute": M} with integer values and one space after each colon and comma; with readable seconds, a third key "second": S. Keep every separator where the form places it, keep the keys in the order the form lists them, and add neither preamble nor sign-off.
{"hour": 10, "minute": 19, "second": 9}
